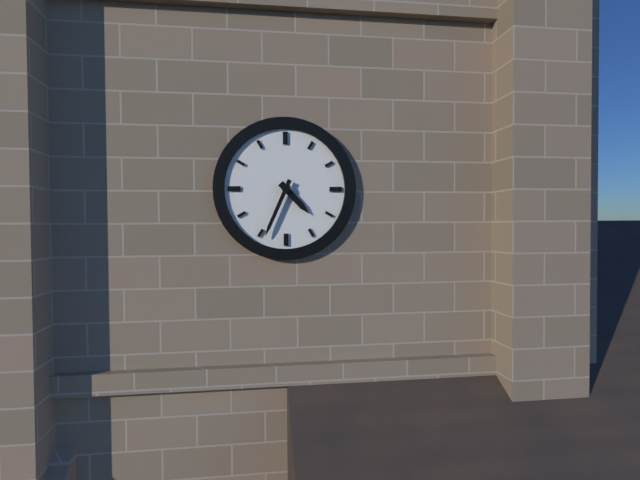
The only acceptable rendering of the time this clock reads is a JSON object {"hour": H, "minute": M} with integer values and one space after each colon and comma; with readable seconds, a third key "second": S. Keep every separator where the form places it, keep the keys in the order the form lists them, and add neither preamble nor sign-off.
{"hour": 4, "minute": 34}
